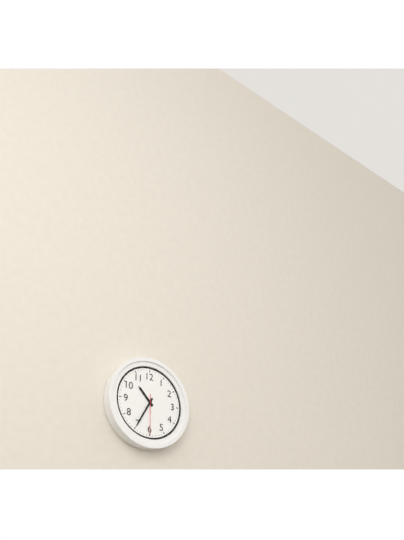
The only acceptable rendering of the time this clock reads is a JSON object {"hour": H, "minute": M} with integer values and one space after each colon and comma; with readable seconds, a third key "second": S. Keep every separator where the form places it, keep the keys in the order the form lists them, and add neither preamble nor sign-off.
{"hour": 10, "minute": 35}
